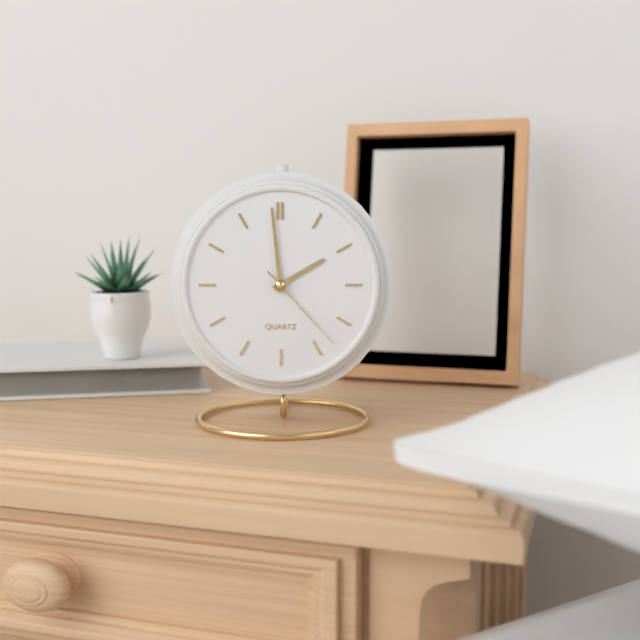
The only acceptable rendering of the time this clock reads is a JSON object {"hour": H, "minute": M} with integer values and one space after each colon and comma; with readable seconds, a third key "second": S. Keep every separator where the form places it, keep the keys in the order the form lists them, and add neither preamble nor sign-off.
{"hour": 1, "minute": 59, "second": 23}
